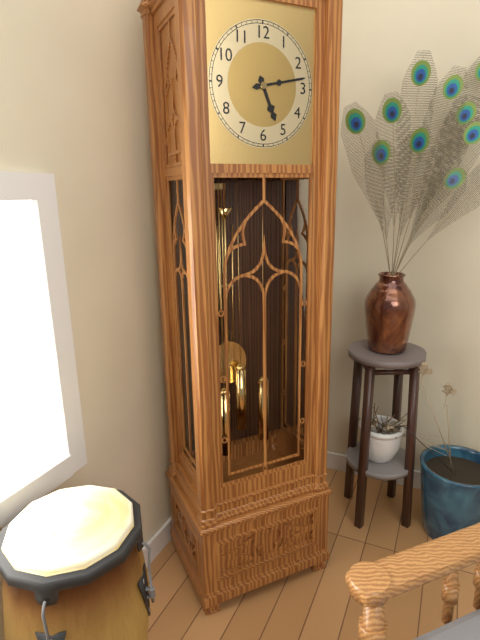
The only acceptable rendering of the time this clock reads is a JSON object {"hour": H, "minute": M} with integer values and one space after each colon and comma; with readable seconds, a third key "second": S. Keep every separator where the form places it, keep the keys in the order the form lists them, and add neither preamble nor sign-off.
{"hour": 5, "minute": 13}
